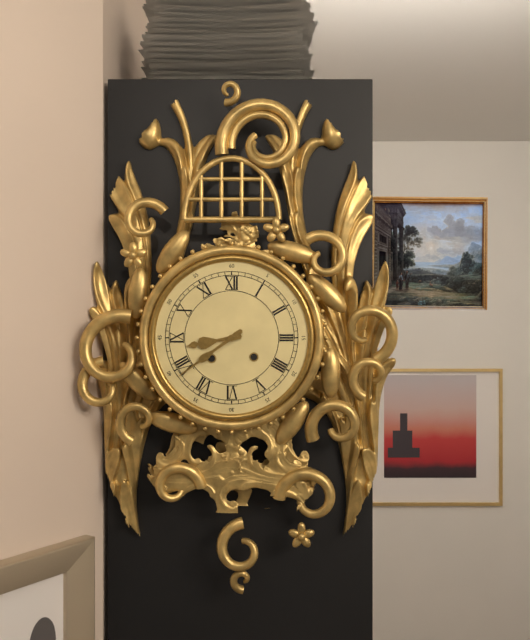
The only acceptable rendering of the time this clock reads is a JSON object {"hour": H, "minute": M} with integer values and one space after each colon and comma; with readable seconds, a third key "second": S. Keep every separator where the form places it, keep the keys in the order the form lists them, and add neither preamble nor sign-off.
{"hour": 8, "minute": 39}
